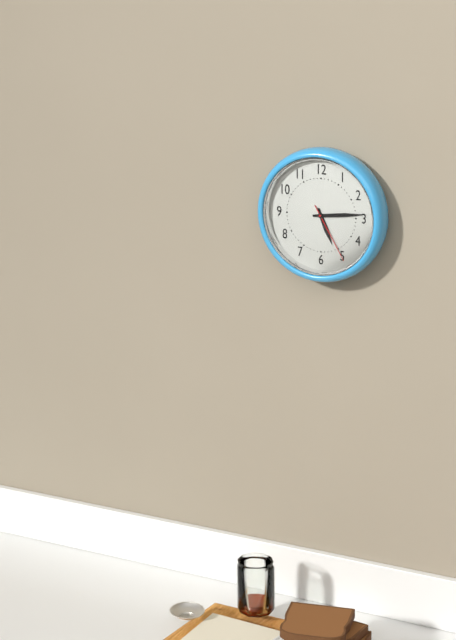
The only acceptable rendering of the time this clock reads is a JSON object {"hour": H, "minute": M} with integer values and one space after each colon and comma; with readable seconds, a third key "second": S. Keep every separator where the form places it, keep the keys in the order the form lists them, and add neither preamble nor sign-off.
{"hour": 5, "minute": 14, "second": 25}
